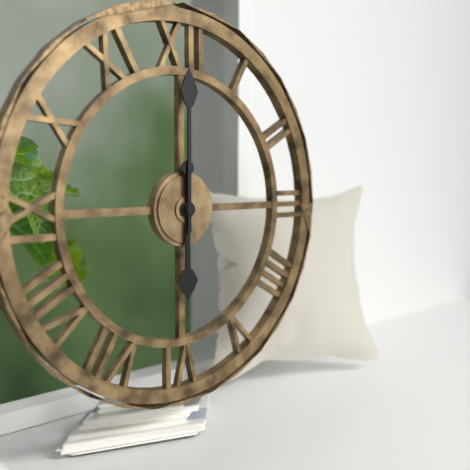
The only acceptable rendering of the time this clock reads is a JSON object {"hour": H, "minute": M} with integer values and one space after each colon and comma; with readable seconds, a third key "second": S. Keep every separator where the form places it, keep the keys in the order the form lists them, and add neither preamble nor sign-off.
{"hour": 6, "minute": 0}
